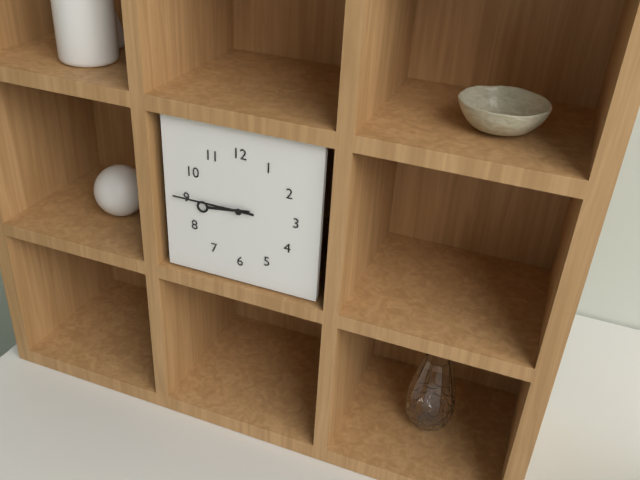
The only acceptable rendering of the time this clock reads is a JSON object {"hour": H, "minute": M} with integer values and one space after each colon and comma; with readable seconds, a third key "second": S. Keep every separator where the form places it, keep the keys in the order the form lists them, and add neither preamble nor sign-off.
{"hour": 8, "minute": 45}
